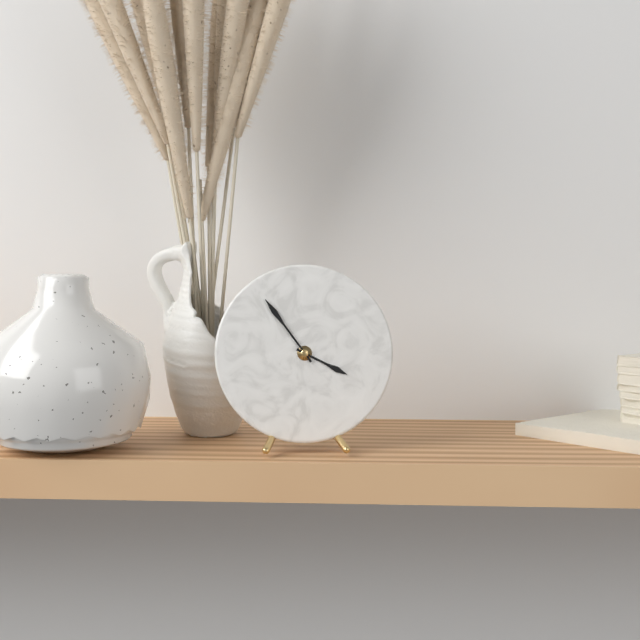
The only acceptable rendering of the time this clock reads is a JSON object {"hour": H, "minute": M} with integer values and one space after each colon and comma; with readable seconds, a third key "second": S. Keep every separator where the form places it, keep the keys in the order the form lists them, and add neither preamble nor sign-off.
{"hour": 3, "minute": 54}
